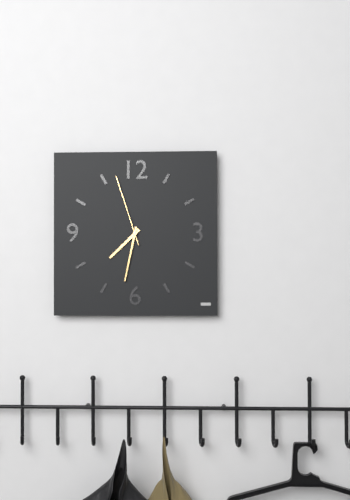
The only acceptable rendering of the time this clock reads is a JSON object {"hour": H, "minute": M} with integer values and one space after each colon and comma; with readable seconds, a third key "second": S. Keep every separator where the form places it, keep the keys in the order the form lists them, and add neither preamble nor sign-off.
{"hour": 7, "minute": 32, "second": 57}
